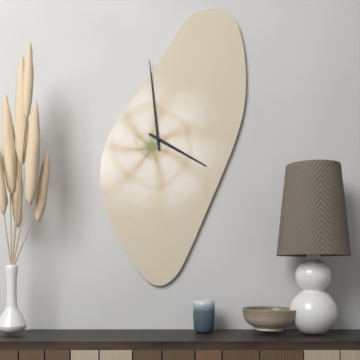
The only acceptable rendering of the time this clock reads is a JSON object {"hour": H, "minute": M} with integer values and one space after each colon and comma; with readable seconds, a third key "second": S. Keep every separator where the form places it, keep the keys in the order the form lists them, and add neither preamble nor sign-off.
{"hour": 3, "minute": 59}
